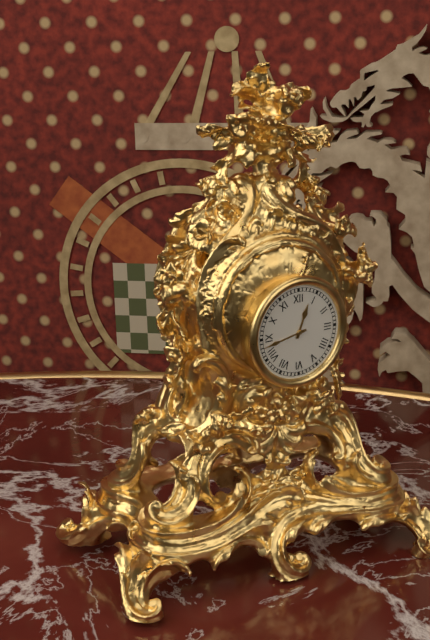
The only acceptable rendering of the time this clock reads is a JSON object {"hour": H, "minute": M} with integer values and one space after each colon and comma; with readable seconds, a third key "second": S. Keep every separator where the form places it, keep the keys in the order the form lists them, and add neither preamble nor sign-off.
{"hour": 12, "minute": 43}
